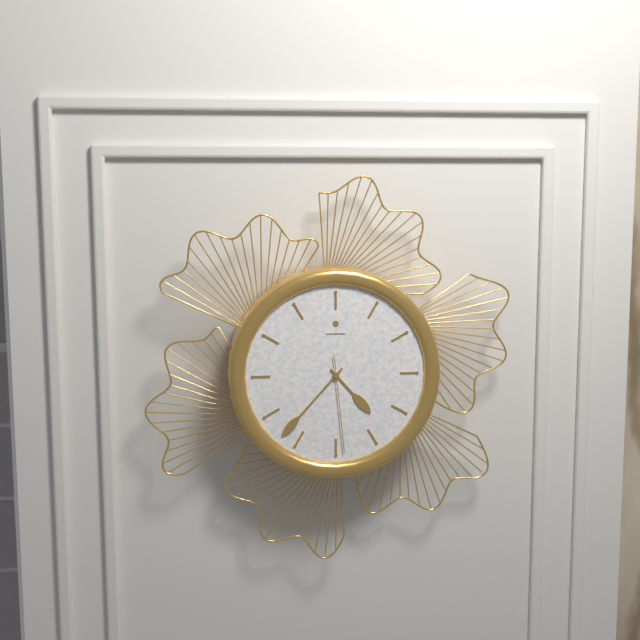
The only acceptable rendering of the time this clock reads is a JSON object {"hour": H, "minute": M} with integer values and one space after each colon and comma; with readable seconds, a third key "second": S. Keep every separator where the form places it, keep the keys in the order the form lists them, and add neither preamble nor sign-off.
{"hour": 4, "minute": 37, "second": 29}
